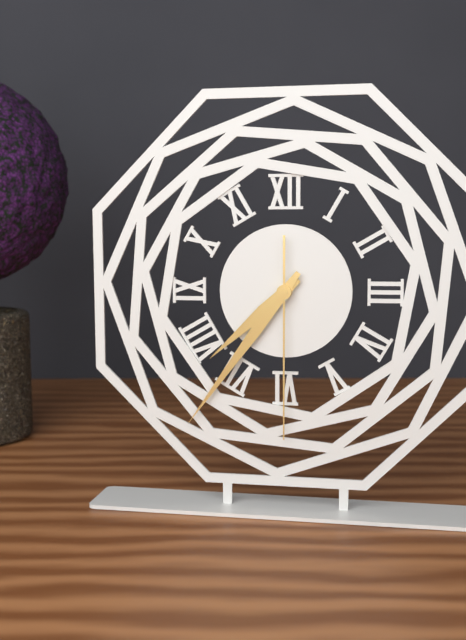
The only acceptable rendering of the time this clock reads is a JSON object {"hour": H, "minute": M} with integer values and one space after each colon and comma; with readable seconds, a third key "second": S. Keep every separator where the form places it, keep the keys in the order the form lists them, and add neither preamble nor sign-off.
{"hour": 7, "minute": 36, "second": 30}
